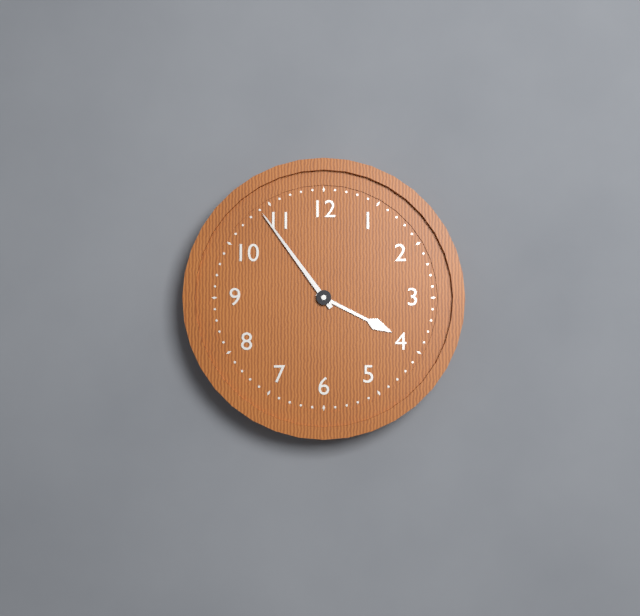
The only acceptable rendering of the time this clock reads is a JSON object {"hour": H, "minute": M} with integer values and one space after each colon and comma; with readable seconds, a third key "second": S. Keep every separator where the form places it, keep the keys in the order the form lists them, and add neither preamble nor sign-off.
{"hour": 3, "minute": 54}
